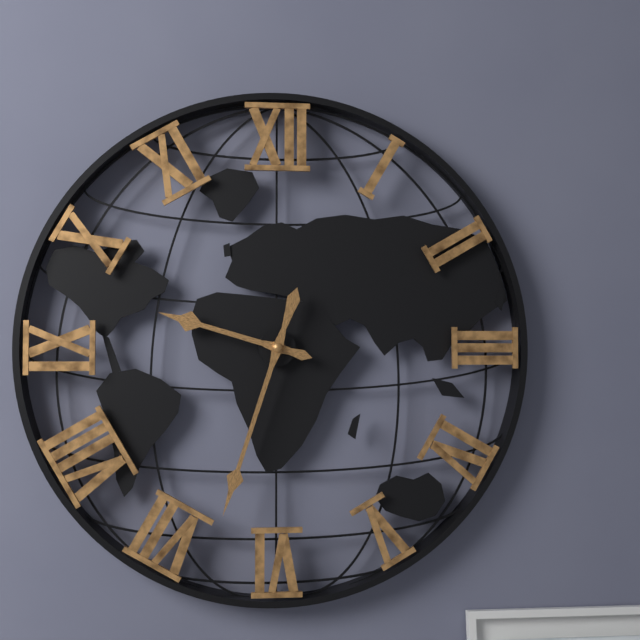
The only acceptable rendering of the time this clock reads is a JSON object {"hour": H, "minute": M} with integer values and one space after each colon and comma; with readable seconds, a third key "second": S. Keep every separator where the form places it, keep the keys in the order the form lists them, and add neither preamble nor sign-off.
{"hour": 9, "minute": 33}
